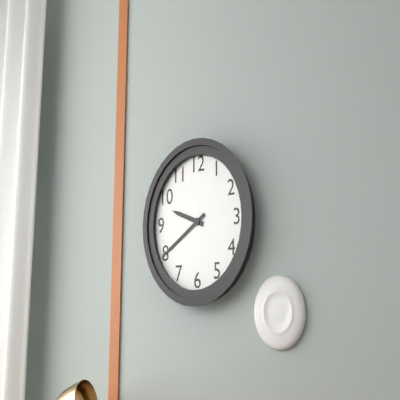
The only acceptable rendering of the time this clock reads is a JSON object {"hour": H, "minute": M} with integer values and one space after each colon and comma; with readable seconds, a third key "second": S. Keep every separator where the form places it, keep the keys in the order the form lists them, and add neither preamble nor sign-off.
{"hour": 9, "minute": 40}
